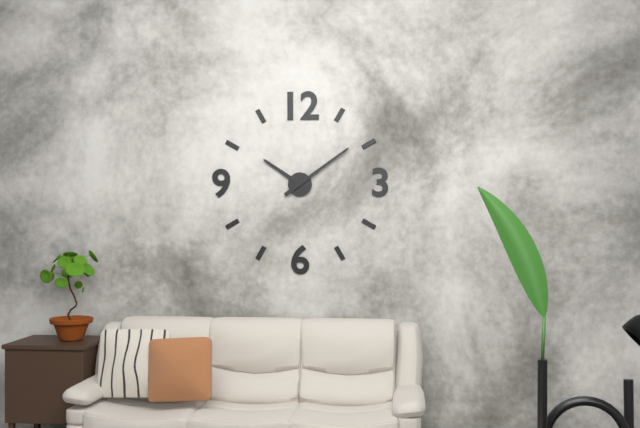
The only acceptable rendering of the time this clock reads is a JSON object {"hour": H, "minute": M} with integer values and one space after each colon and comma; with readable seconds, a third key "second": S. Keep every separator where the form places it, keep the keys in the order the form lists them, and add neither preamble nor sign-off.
{"hour": 10, "minute": 9}
